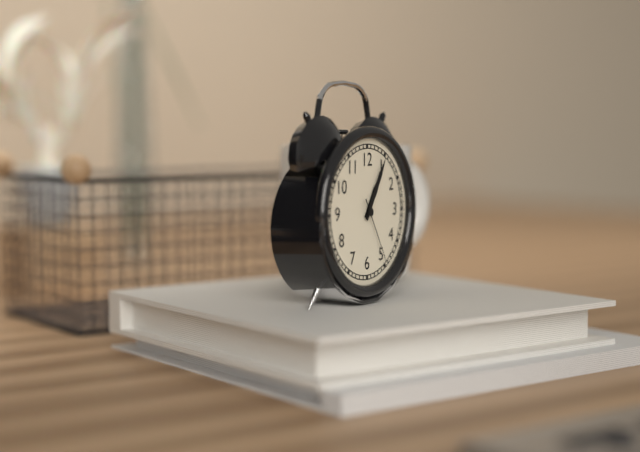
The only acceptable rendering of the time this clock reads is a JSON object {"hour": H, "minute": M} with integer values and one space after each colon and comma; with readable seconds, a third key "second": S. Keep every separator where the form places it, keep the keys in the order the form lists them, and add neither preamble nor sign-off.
{"hour": 1, "minute": 5, "second": 25}
